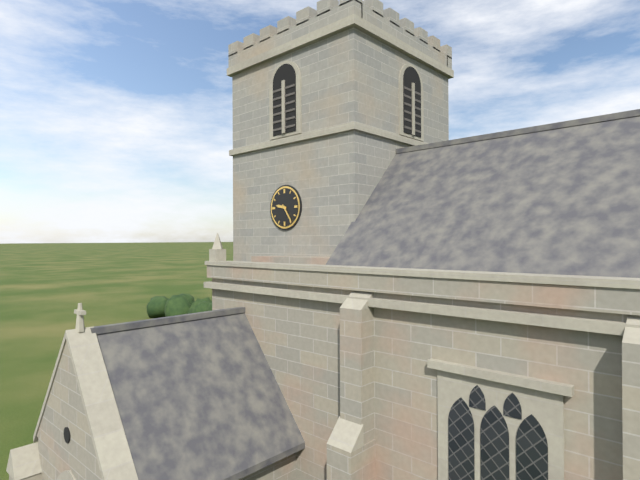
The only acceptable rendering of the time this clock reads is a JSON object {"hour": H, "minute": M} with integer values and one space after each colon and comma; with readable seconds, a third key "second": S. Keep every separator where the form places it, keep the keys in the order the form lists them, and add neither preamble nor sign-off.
{"hour": 9, "minute": 24}
